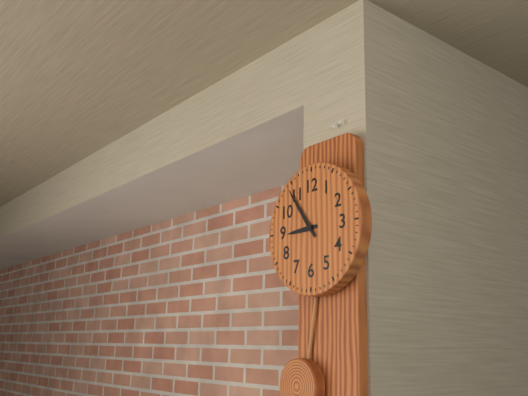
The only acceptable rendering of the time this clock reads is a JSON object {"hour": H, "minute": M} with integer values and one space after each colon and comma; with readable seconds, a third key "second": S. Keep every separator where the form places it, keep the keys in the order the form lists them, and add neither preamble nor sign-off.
{"hour": 8, "minute": 54}
